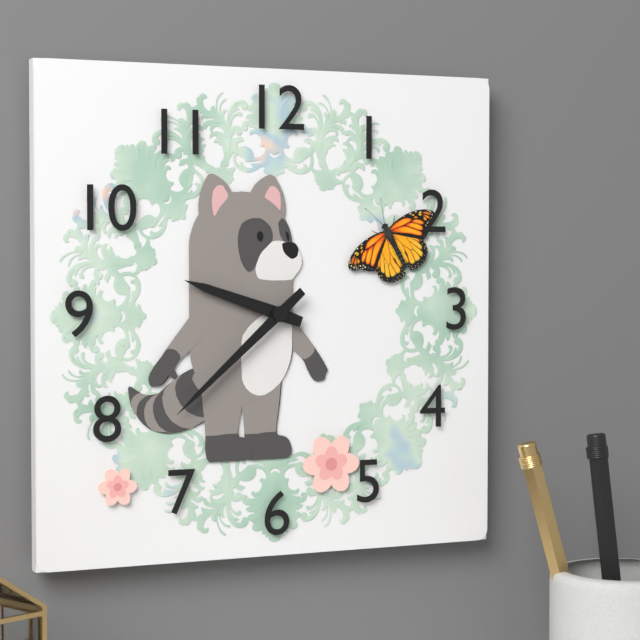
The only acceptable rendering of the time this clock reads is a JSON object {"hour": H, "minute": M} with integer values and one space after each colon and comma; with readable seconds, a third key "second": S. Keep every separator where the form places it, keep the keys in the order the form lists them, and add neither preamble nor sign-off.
{"hour": 9, "minute": 38}
